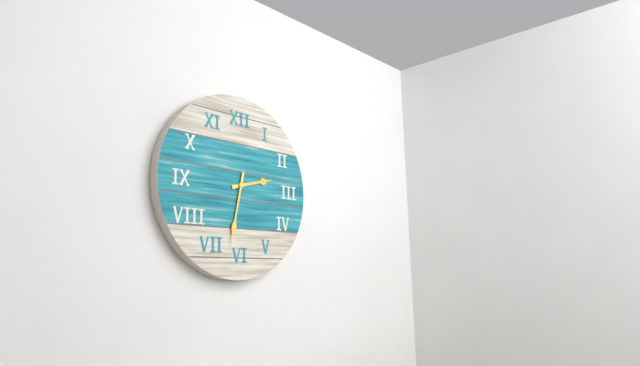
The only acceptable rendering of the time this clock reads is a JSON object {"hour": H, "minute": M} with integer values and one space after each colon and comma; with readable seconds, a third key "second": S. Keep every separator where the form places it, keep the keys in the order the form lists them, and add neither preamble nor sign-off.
{"hour": 2, "minute": 32}
